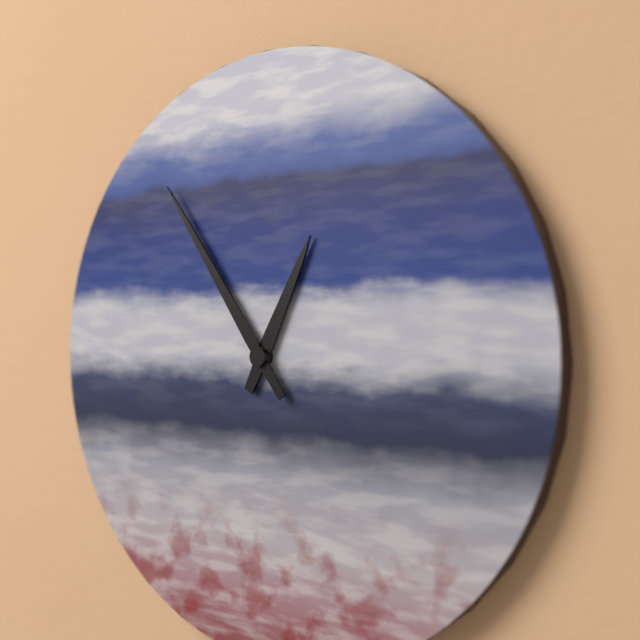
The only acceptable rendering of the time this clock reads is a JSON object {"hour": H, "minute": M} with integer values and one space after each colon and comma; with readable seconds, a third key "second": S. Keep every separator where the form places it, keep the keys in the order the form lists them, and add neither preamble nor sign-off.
{"hour": 12, "minute": 54}
